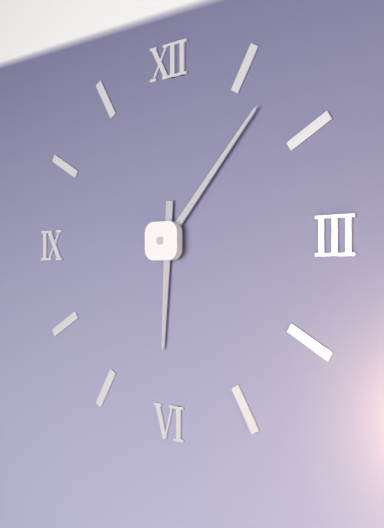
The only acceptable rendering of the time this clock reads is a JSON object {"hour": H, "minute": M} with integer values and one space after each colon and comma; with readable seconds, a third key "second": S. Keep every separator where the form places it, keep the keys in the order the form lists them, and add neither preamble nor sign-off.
{"hour": 6, "minute": 7}
